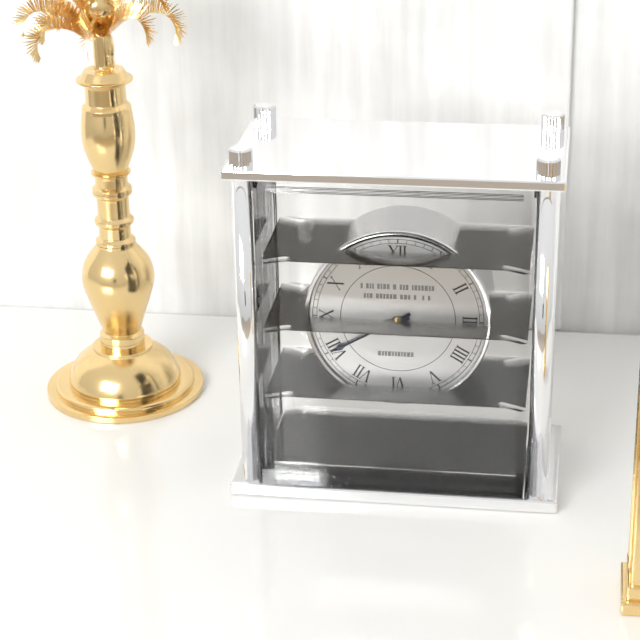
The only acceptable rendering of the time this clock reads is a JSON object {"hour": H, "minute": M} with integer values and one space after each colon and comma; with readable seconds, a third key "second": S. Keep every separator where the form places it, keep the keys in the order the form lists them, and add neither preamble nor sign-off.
{"hour": 8, "minute": 40}
